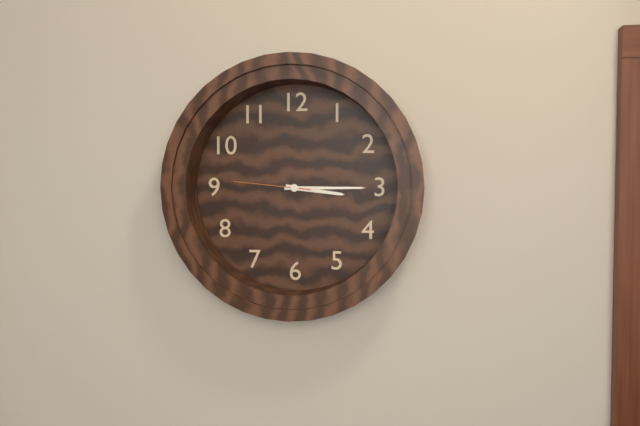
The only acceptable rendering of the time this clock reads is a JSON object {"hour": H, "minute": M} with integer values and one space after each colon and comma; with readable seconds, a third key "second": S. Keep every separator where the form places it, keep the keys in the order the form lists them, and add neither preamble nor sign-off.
{"hour": 3, "minute": 15, "second": 46}
